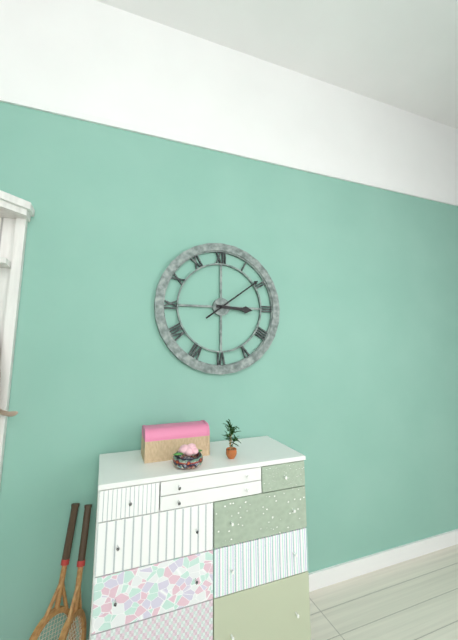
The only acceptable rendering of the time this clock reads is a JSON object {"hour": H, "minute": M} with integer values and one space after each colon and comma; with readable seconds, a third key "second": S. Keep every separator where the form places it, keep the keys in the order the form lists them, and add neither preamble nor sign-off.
{"hour": 3, "minute": 9}
